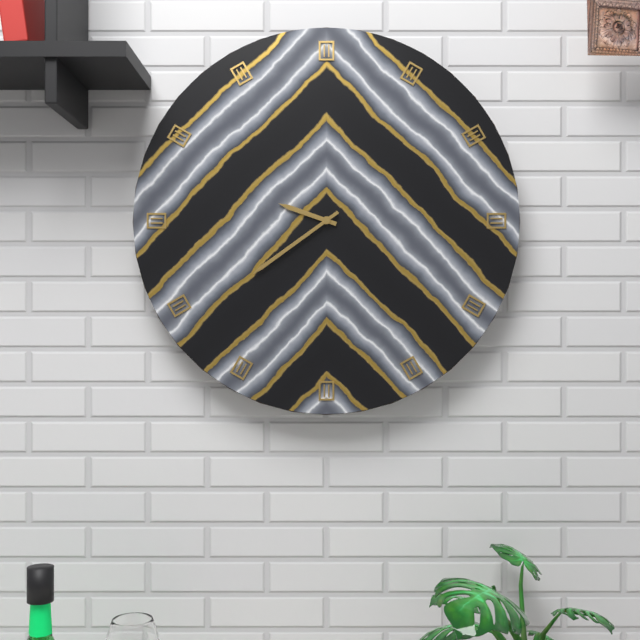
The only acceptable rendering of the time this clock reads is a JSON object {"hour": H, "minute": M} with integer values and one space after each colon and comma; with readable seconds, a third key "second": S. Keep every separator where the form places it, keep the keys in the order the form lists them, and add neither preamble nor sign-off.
{"hour": 9, "minute": 39}
